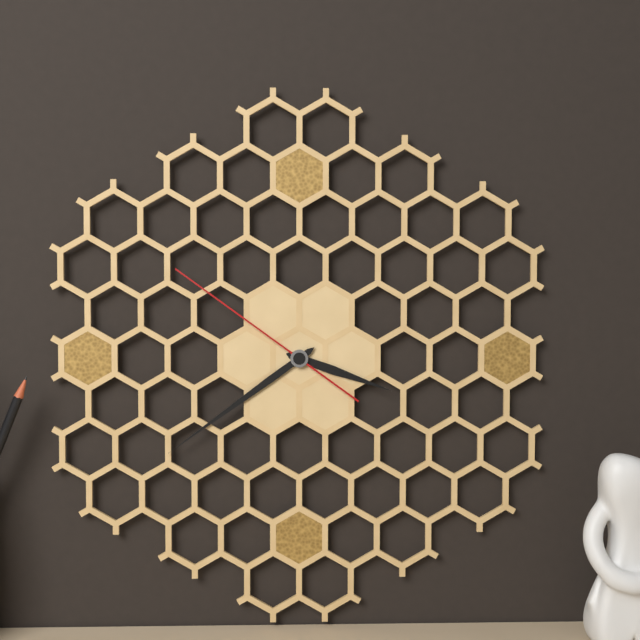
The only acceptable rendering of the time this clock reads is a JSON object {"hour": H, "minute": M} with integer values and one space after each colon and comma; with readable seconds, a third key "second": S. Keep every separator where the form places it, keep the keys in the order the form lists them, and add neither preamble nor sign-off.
{"hour": 3, "minute": 39, "second": 51}
